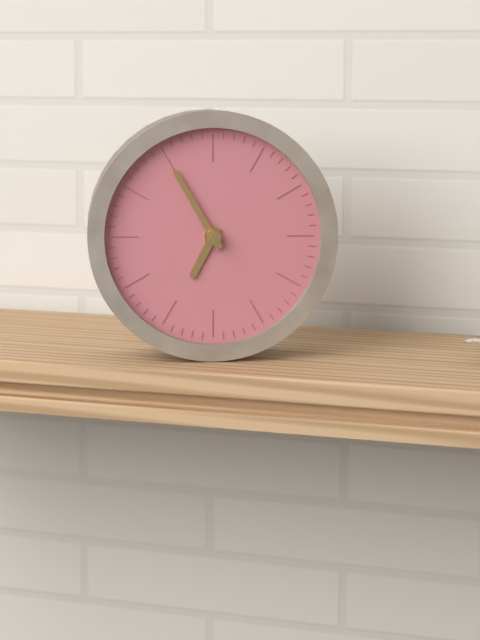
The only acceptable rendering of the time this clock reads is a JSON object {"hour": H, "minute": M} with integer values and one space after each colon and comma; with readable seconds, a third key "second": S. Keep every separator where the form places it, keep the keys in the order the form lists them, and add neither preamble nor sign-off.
{"hour": 6, "minute": 55}
